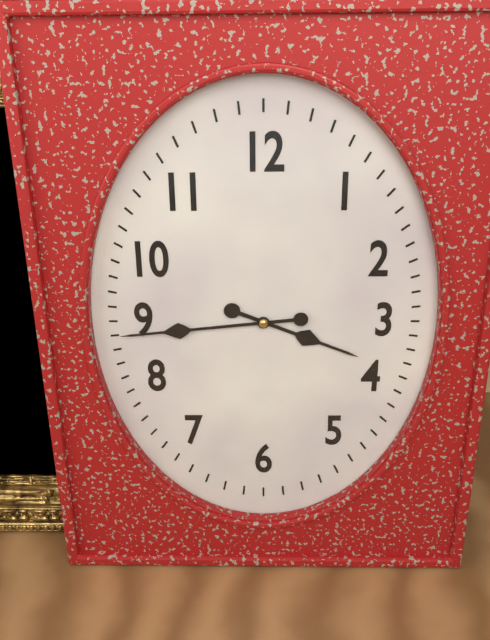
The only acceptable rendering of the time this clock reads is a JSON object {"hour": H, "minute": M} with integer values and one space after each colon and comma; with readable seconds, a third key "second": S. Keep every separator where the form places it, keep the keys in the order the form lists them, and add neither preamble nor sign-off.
{"hour": 3, "minute": 44}
